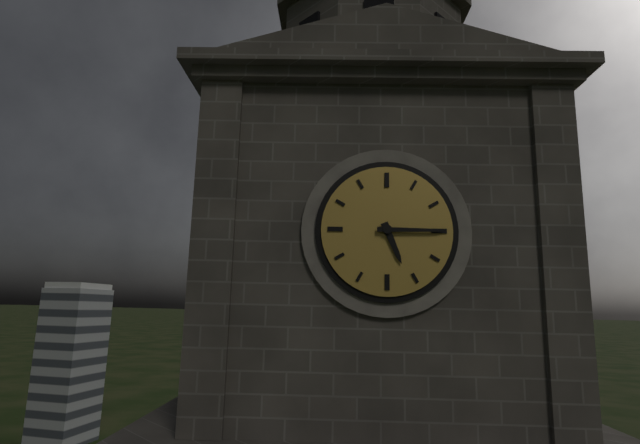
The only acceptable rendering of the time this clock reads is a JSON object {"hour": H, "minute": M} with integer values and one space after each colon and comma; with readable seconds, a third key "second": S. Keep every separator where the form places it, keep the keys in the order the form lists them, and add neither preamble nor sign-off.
{"hour": 5, "minute": 15}
